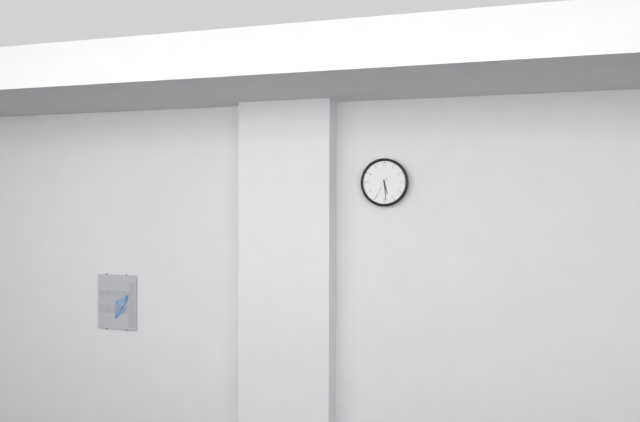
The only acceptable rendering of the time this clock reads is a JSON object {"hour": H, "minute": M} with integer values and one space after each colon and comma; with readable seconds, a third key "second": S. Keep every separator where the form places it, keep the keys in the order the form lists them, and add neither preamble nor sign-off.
{"hour": 5, "minute": 29}
